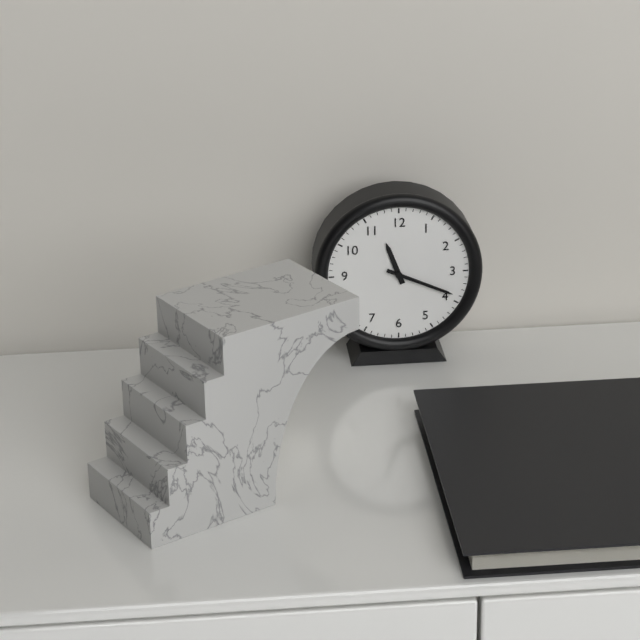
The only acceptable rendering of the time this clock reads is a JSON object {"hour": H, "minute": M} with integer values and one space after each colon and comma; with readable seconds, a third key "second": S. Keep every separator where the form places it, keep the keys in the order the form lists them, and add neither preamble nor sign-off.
{"hour": 11, "minute": 19}
